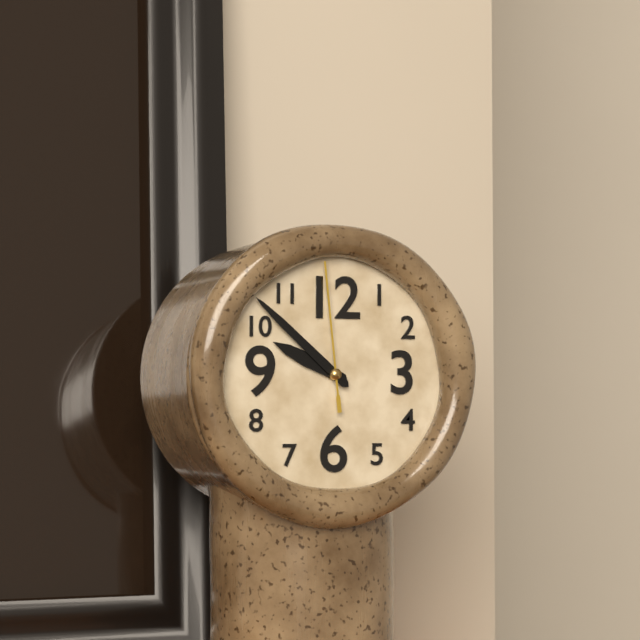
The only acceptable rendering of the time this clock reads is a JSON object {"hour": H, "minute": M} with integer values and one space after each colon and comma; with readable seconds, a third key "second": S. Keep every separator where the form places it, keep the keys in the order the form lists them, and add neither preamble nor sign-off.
{"hour": 9, "minute": 52, "second": 59}
